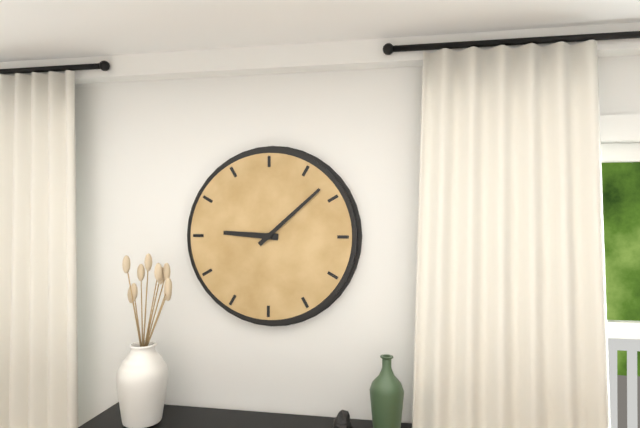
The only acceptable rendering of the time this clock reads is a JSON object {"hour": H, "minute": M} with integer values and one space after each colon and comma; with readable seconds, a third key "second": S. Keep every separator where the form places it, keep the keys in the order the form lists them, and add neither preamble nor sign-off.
{"hour": 9, "minute": 8}
